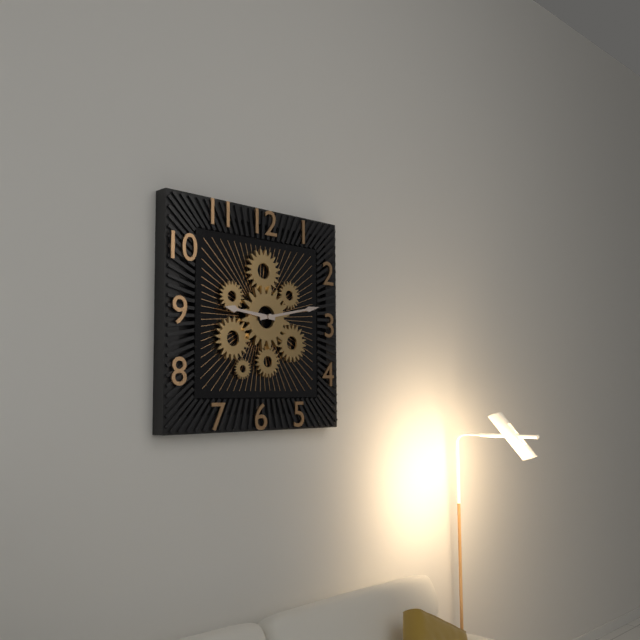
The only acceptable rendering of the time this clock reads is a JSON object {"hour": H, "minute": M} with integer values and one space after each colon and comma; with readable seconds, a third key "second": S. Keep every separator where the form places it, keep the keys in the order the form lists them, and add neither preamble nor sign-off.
{"hour": 9, "minute": 13}
